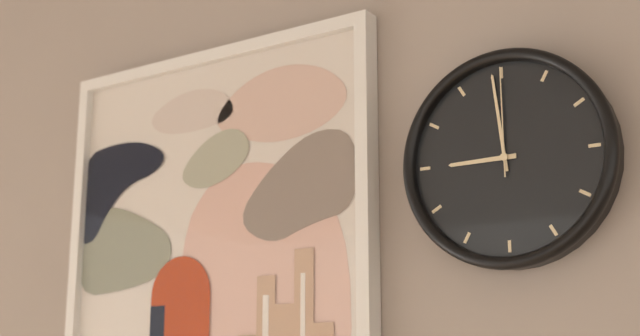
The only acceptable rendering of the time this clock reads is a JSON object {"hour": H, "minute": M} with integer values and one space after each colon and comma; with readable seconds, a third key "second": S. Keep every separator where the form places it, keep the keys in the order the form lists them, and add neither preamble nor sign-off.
{"hour": 8, "minute": 59, "second": 0}
